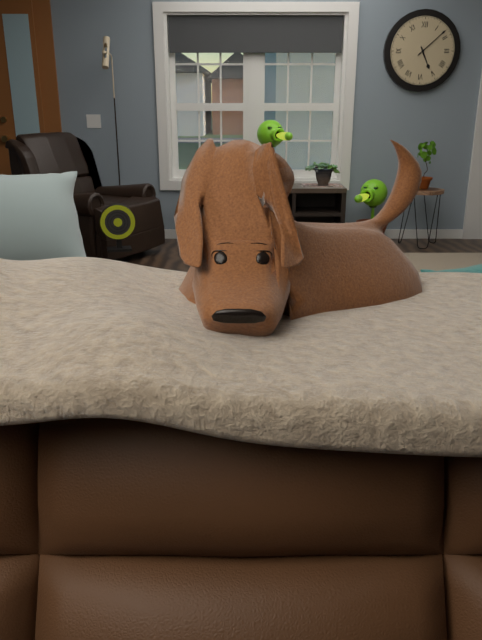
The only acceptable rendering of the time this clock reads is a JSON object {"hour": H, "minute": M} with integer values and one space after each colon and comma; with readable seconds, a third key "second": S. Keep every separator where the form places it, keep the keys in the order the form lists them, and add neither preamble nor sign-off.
{"hour": 5, "minute": 8}
